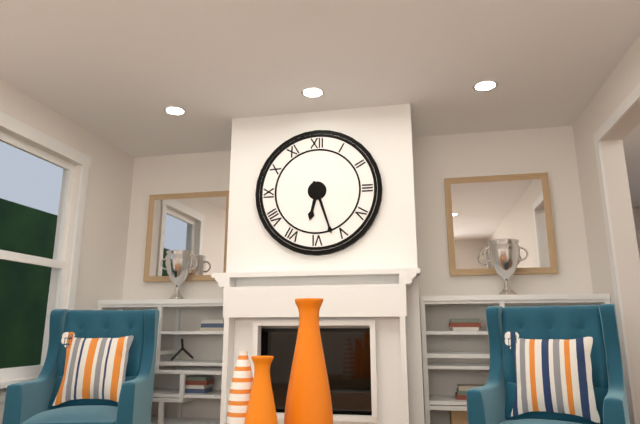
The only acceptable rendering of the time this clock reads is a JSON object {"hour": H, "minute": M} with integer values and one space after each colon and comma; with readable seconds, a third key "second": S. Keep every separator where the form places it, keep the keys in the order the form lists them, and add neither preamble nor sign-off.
{"hour": 6, "minute": 27}
